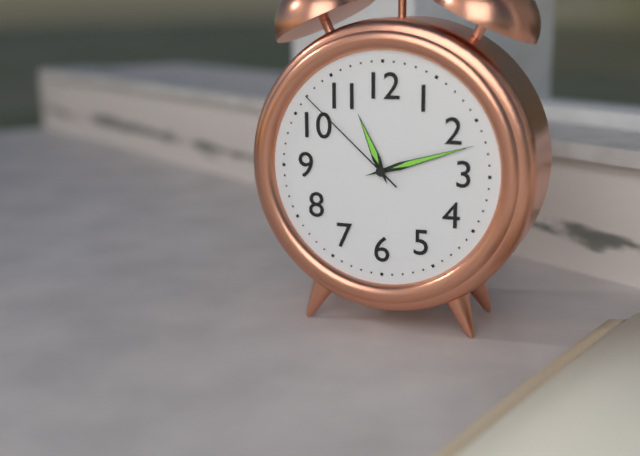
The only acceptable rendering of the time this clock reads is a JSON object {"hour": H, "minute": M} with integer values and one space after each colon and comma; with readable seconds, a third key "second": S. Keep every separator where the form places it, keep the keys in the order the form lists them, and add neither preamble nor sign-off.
{"hour": 11, "minute": 12, "second": 52}
